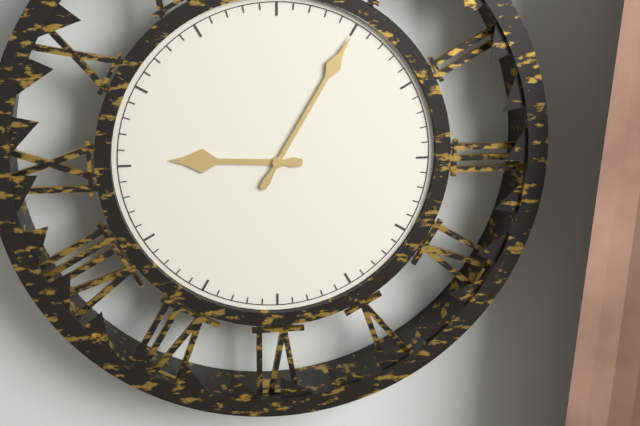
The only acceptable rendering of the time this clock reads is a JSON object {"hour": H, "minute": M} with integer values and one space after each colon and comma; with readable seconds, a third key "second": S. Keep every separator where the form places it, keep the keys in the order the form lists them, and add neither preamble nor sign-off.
{"hour": 9, "minute": 5}
